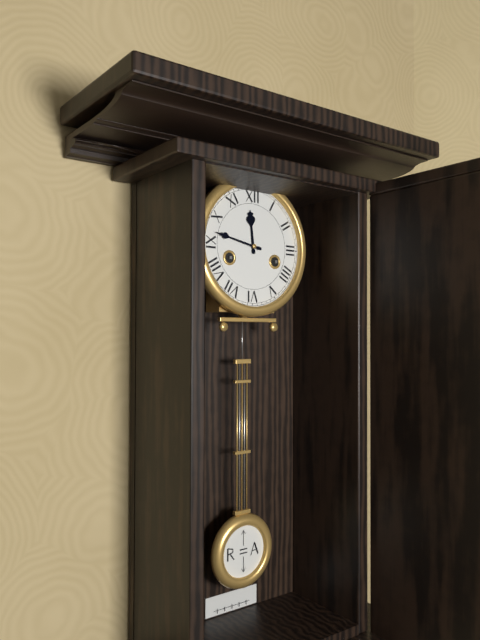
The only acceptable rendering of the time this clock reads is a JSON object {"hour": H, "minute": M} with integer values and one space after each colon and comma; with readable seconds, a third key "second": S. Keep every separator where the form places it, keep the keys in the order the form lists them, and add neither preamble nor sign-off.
{"hour": 11, "minute": 47}
